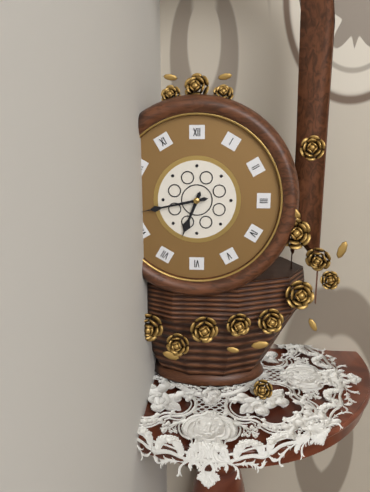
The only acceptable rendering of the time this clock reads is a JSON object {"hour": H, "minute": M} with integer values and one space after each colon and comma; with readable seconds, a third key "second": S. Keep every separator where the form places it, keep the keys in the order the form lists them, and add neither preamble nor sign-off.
{"hour": 6, "minute": 43}
